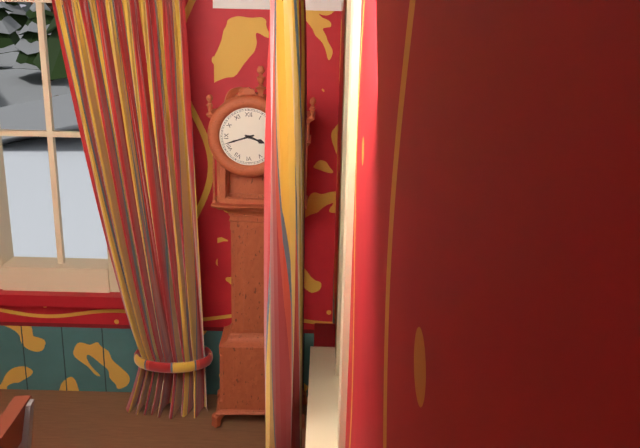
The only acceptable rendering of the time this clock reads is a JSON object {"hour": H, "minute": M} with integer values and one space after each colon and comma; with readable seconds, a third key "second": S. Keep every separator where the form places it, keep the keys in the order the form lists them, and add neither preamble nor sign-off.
{"hour": 3, "minute": 42}
